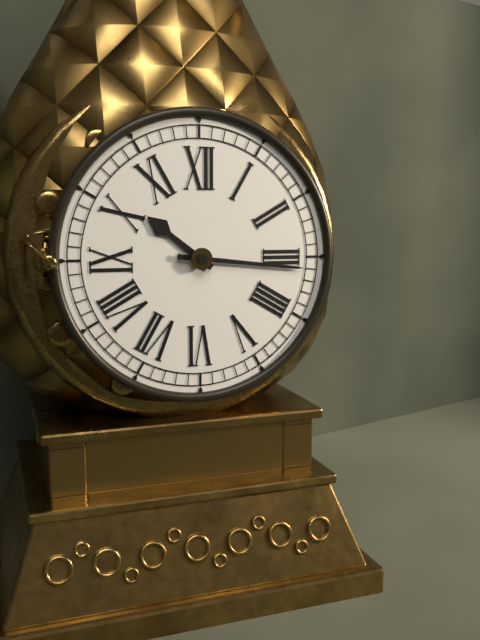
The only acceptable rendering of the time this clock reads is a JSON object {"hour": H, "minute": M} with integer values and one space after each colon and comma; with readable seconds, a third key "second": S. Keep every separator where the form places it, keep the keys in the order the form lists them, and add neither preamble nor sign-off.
{"hour": 10, "minute": 16}
